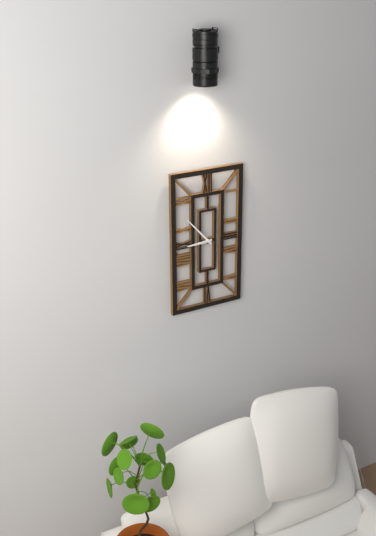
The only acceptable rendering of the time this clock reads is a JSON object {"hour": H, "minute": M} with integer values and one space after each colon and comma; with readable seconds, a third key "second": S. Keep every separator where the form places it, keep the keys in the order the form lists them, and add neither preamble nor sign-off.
{"hour": 8, "minute": 53}
